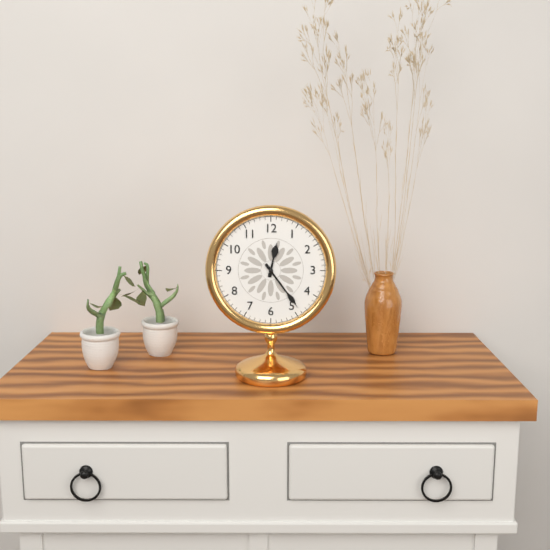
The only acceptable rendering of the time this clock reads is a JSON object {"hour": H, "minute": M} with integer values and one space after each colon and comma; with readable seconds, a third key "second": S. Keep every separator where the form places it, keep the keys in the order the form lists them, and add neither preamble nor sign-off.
{"hour": 12, "minute": 24}
